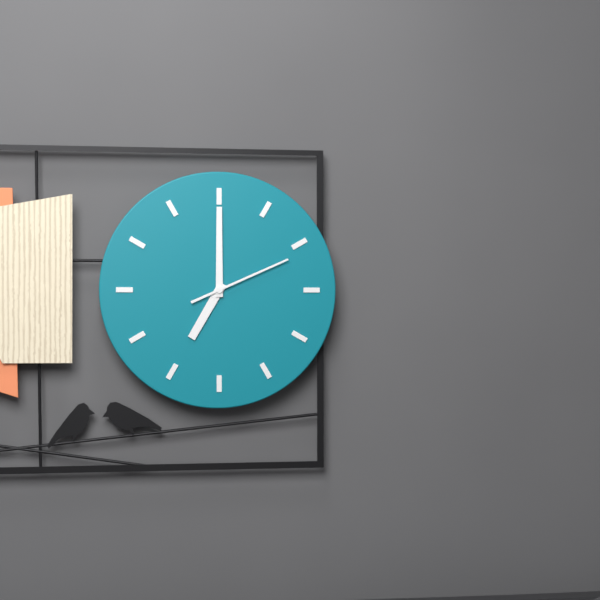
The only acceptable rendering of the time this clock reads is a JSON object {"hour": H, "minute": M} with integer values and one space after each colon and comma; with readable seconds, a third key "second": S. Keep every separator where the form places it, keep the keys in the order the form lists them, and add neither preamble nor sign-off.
{"hour": 7, "minute": 0, "second": 11}
